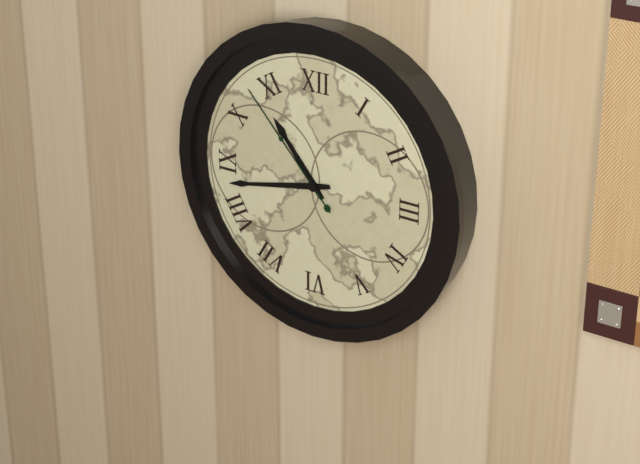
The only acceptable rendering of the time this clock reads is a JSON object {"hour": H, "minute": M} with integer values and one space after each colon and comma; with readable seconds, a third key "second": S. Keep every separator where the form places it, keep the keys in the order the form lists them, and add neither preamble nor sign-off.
{"hour": 10, "minute": 43, "second": 53}
